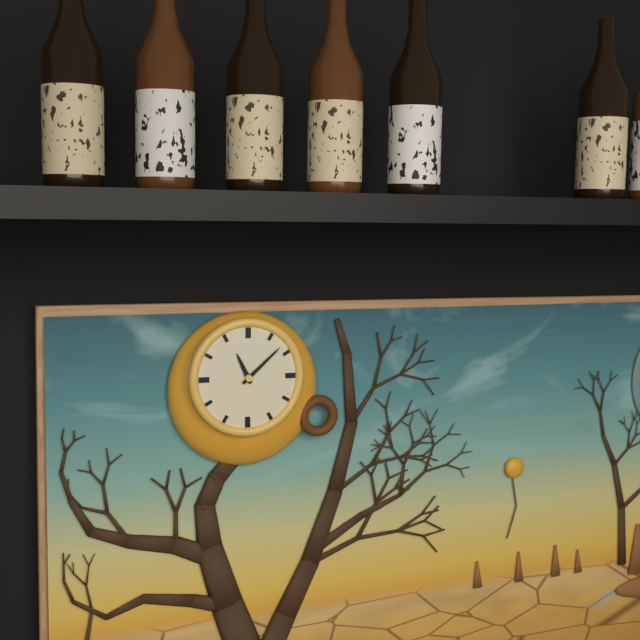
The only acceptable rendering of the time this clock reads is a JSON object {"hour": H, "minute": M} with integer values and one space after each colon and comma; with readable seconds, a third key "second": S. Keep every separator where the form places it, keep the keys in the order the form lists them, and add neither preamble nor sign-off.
{"hour": 11, "minute": 8}
